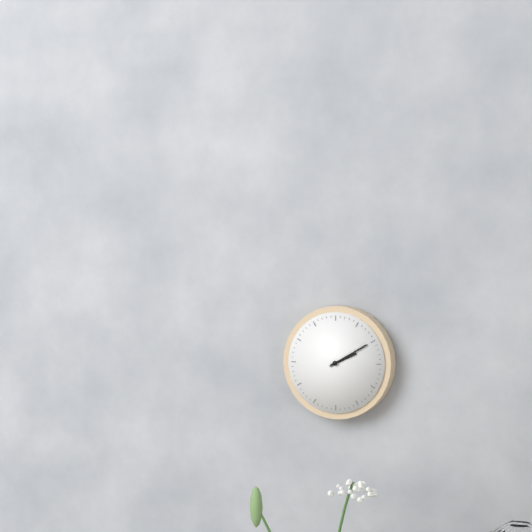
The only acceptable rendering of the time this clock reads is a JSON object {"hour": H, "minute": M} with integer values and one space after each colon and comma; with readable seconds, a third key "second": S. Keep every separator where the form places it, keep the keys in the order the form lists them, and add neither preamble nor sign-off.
{"hour": 2, "minute": 10}
